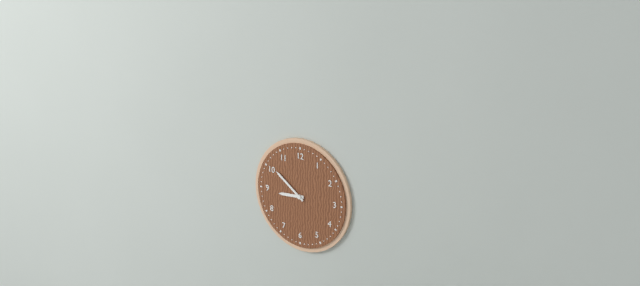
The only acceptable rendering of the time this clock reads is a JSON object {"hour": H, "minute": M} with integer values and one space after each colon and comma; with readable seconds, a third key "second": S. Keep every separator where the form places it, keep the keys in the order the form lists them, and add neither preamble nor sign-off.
{"hour": 8, "minute": 51}
